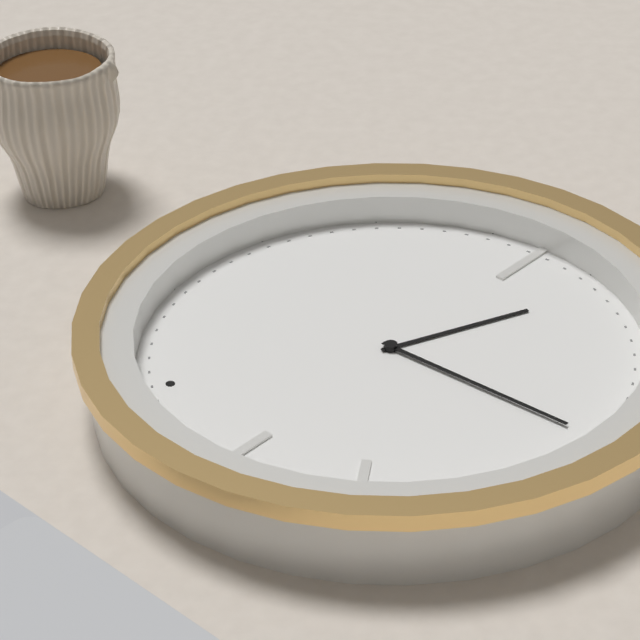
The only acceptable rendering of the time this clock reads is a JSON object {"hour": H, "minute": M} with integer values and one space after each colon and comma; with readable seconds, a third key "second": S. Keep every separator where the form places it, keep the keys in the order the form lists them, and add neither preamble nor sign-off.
{"hour": 5, "minute": 39}
